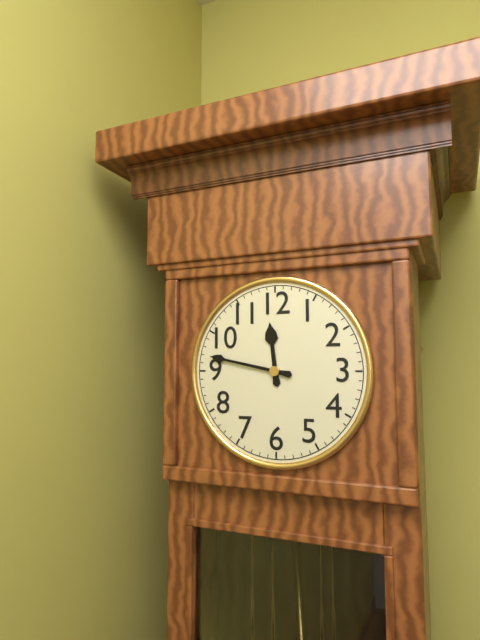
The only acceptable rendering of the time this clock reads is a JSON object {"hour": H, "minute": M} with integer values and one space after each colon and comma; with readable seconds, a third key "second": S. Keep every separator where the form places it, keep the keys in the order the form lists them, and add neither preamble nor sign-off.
{"hour": 11, "minute": 47}
